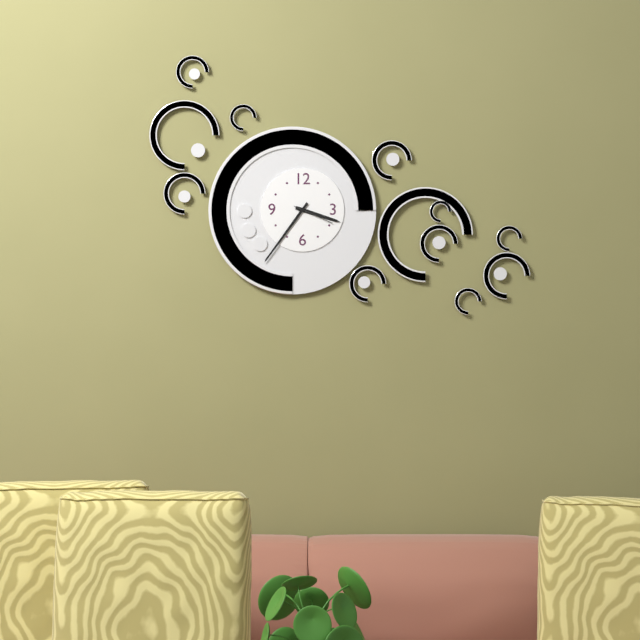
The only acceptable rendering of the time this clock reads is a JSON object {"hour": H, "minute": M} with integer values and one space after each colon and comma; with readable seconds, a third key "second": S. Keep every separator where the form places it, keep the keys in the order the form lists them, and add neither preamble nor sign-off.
{"hour": 3, "minute": 36}
